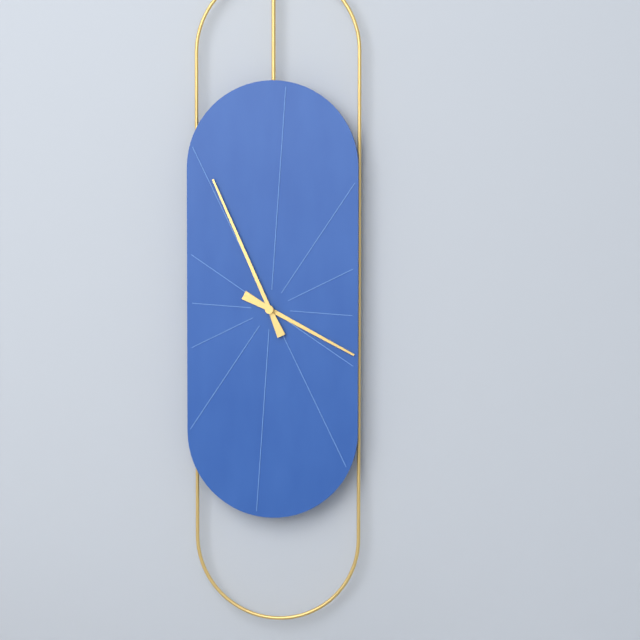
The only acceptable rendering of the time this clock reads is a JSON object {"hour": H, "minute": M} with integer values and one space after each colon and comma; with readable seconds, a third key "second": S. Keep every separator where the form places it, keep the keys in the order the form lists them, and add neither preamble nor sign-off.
{"hour": 3, "minute": 56}
